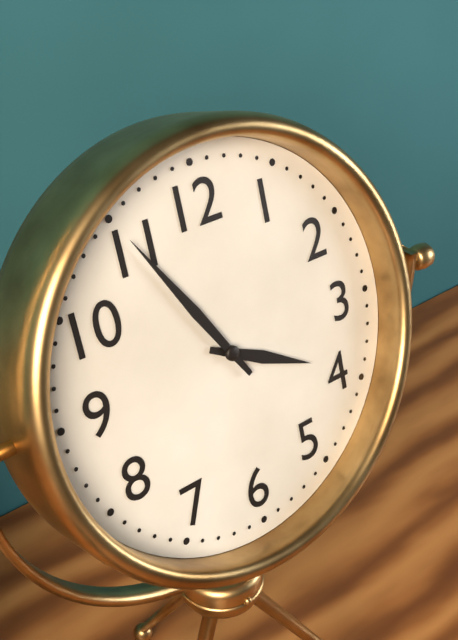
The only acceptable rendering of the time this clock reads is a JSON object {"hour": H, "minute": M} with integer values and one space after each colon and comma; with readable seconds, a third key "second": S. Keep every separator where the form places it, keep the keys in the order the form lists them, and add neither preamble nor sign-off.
{"hour": 3, "minute": 55}
